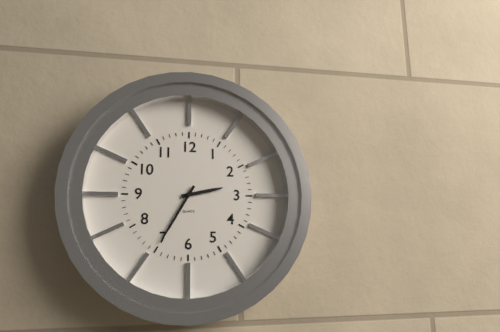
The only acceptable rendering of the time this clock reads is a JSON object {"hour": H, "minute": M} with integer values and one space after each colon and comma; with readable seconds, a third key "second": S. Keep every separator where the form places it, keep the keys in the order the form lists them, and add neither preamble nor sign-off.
{"hour": 2, "minute": 35}
